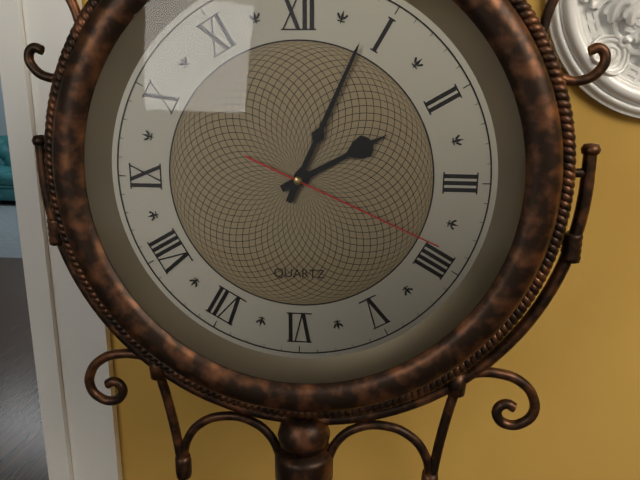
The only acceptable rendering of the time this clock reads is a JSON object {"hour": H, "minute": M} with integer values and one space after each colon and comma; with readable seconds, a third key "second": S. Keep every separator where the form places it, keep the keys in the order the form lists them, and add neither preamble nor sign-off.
{"hour": 2, "minute": 4, "second": 19}
